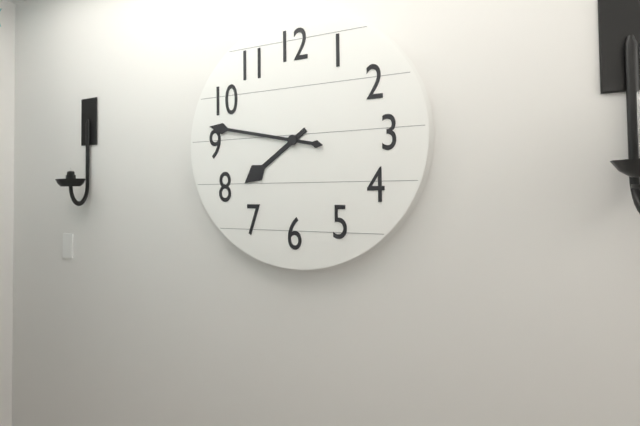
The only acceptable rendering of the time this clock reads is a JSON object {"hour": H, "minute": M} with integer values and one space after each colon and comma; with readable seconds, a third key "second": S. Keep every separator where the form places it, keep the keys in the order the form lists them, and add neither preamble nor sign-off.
{"hour": 7, "minute": 47}
